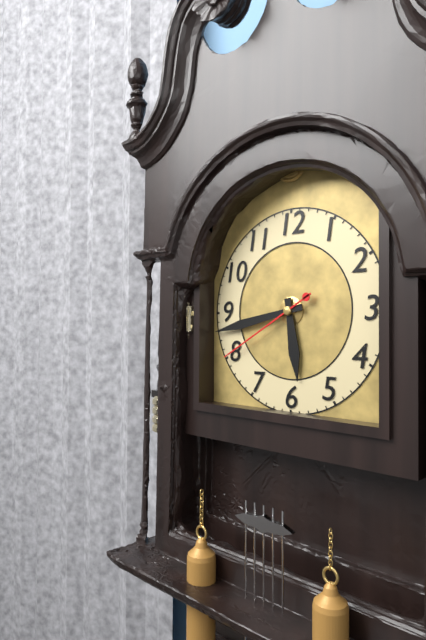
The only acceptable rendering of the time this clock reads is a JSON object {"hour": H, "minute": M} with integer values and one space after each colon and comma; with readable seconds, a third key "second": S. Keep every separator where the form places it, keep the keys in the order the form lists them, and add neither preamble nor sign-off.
{"hour": 5, "minute": 43, "second": 40}
